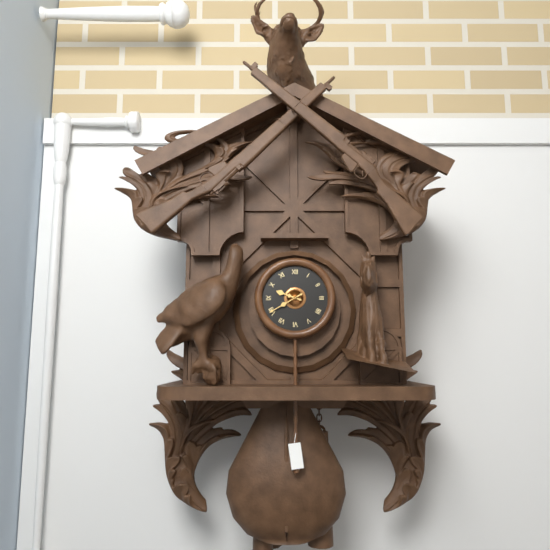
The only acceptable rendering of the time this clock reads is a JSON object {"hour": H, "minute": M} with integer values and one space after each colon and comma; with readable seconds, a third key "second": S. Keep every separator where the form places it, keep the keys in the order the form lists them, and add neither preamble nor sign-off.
{"hour": 9, "minute": 40}
